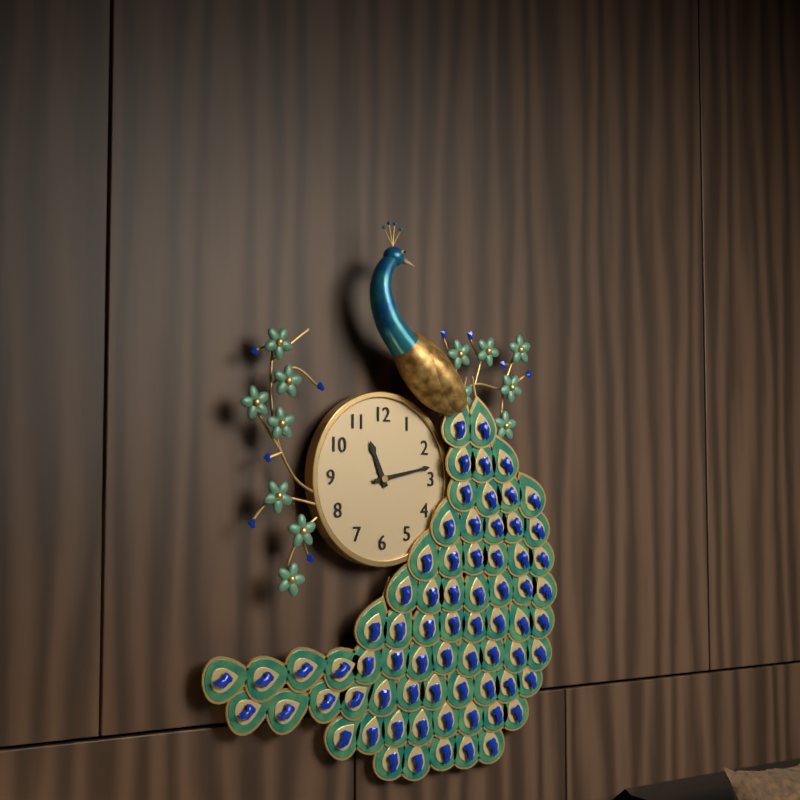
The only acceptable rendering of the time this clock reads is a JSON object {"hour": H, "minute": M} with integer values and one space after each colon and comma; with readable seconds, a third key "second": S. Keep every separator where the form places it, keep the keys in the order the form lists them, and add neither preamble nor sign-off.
{"hour": 11, "minute": 13}
